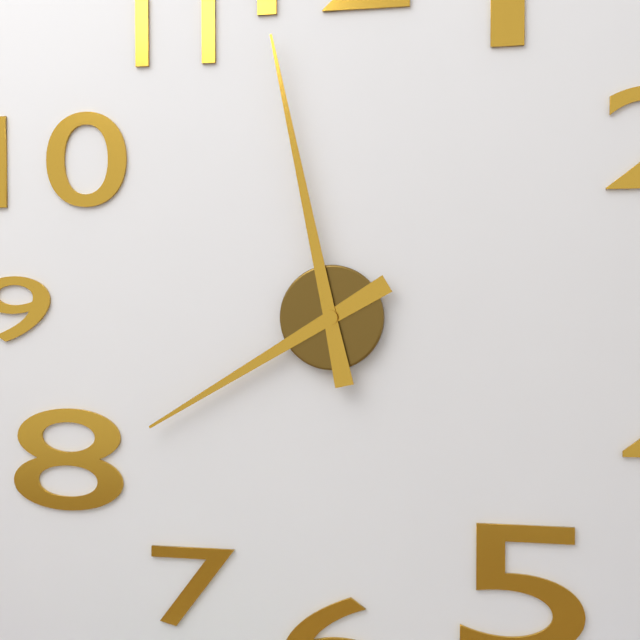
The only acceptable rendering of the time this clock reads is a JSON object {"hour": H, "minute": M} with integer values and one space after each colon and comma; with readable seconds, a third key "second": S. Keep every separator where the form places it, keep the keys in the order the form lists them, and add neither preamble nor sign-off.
{"hour": 7, "minute": 58}
